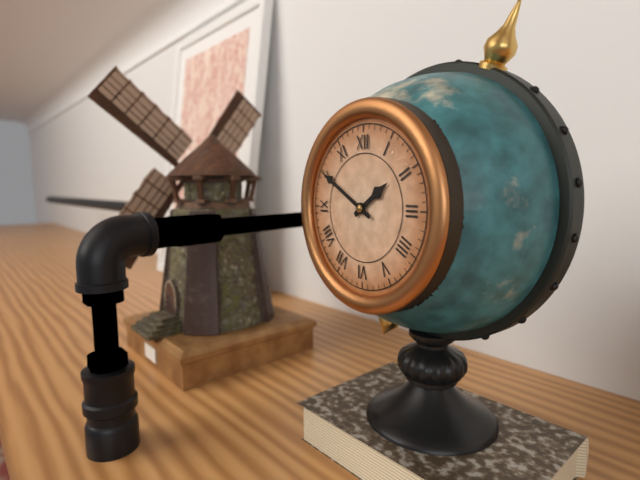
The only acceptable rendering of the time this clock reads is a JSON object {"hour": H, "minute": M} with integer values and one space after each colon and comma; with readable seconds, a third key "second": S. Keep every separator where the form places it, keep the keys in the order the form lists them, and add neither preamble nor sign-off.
{"hour": 1, "minute": 50}
